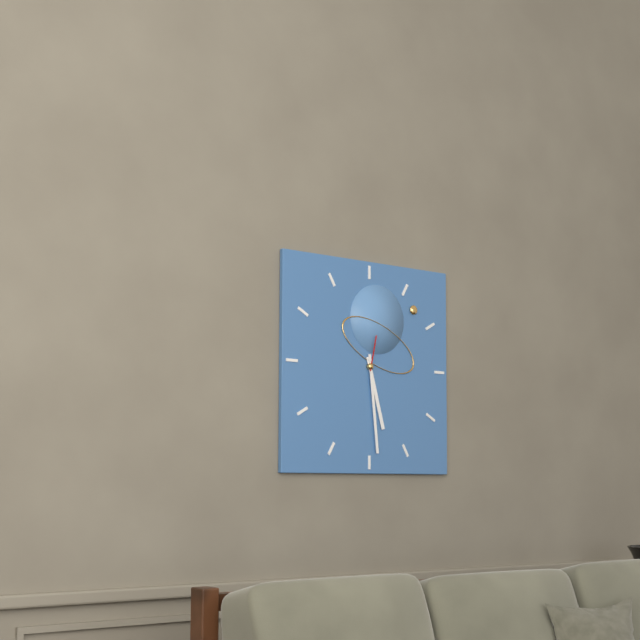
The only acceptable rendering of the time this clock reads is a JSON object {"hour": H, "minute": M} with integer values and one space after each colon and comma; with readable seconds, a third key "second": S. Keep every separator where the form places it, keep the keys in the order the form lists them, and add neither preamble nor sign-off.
{"hour": 5, "minute": 29}
